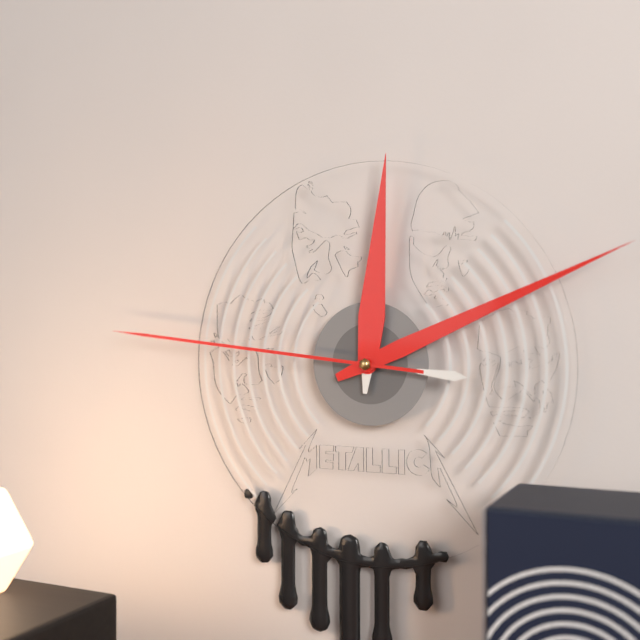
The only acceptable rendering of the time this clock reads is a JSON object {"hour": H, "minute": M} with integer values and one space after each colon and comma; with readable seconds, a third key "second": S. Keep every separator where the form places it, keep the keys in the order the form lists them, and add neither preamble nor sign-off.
{"hour": 12, "minute": 11, "second": 46}
